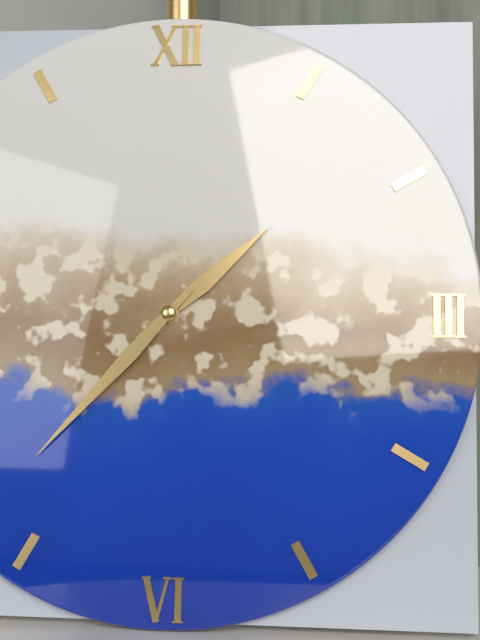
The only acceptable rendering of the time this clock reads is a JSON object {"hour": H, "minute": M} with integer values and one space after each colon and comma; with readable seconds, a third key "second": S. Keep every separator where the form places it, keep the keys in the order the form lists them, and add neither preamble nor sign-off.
{"hour": 1, "minute": 37}
